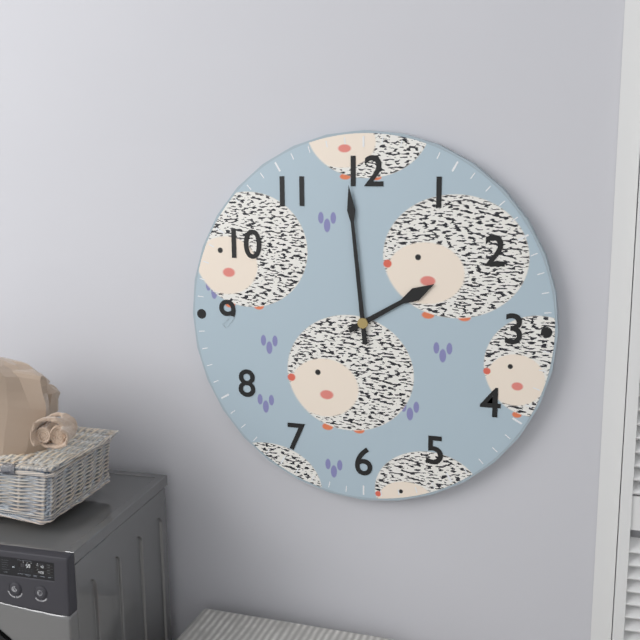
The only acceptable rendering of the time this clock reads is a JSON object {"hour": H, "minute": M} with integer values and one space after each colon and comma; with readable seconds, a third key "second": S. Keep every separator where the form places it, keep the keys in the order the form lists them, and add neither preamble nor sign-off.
{"hour": 1, "minute": 59}
